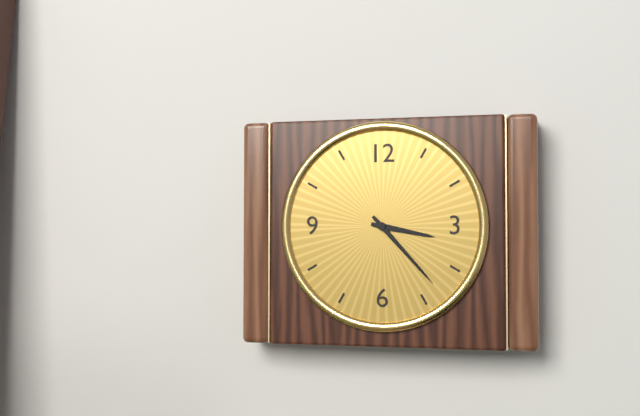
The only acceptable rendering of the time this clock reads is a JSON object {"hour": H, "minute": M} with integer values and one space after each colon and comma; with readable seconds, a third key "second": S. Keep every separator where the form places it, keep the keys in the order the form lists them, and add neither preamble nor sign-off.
{"hour": 3, "minute": 23}
